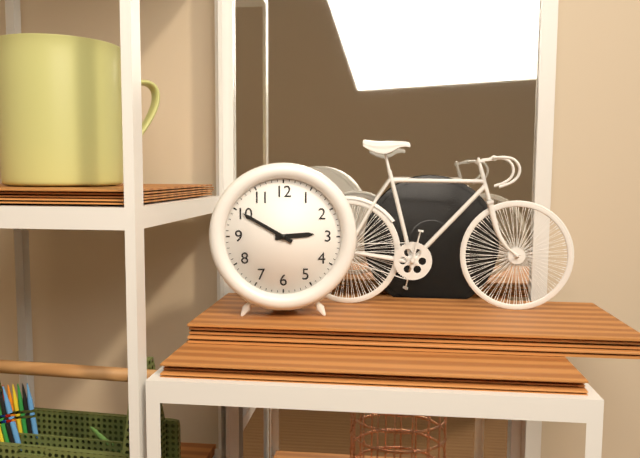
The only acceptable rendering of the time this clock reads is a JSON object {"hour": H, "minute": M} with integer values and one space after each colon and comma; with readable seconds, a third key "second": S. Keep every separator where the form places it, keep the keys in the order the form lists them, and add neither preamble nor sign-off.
{"hour": 2, "minute": 50}
